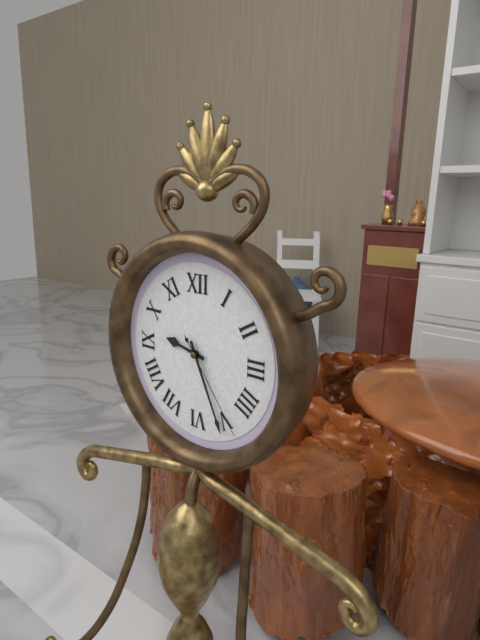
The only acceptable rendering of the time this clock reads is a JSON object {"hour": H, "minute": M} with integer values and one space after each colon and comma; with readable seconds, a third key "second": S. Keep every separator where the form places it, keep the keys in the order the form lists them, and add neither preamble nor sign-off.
{"hour": 9, "minute": 26, "second": 24}
